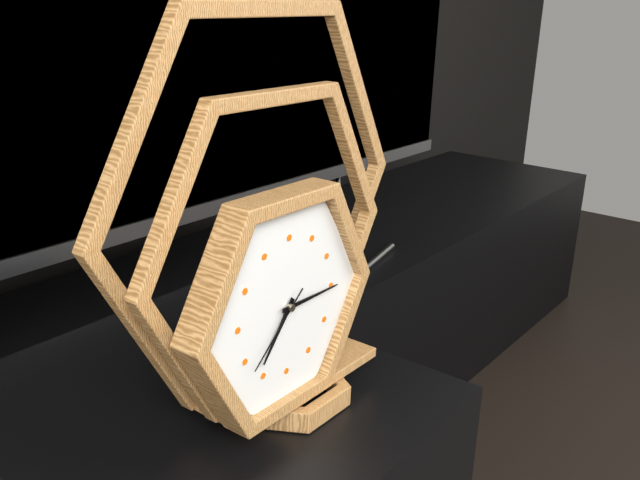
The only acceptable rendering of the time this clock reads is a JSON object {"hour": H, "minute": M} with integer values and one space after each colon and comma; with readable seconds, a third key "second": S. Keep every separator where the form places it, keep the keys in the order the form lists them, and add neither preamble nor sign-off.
{"hour": 7, "minute": 15, "second": 38}
